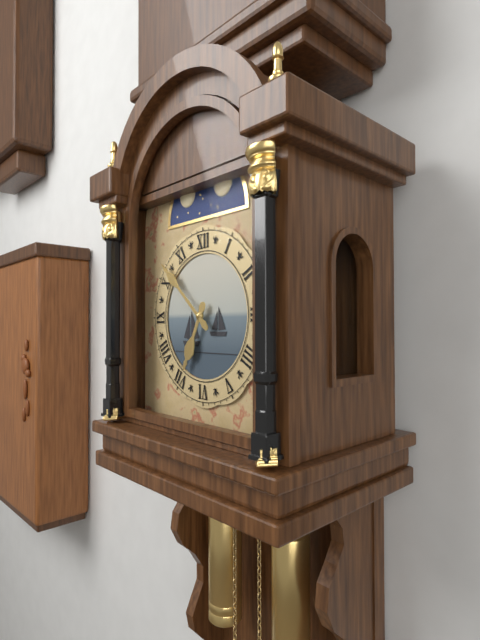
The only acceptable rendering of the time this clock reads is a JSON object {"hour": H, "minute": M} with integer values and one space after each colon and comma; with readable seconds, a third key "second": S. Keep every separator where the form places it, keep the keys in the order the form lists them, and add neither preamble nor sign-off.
{"hour": 6, "minute": 52}
